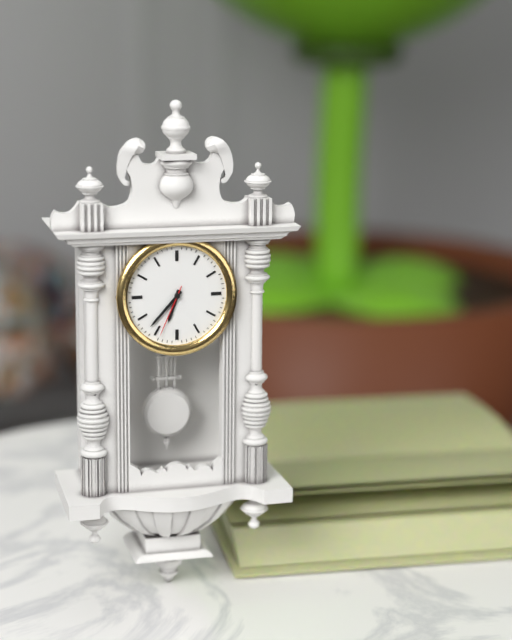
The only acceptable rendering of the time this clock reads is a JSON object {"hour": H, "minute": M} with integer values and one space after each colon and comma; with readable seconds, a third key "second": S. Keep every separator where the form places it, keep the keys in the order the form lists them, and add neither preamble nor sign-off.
{"hour": 6, "minute": 37, "second": 34}
